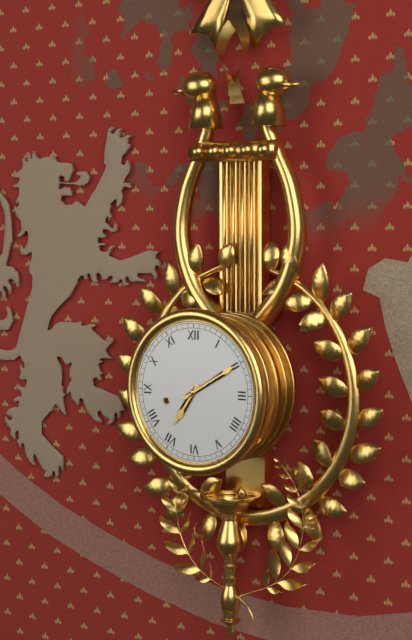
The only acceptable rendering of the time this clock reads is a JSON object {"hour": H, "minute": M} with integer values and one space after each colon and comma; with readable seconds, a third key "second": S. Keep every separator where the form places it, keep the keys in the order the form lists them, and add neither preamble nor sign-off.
{"hour": 7, "minute": 10}
